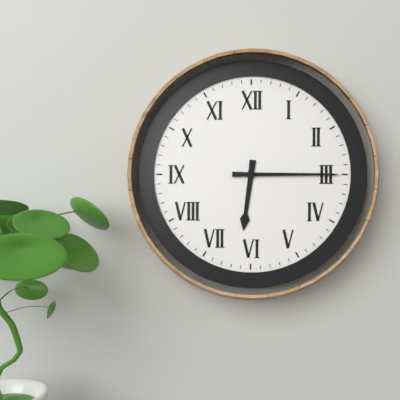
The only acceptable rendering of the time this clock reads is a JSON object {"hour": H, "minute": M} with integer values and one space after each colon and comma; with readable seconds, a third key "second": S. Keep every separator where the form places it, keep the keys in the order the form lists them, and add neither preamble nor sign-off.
{"hour": 6, "minute": 15}
